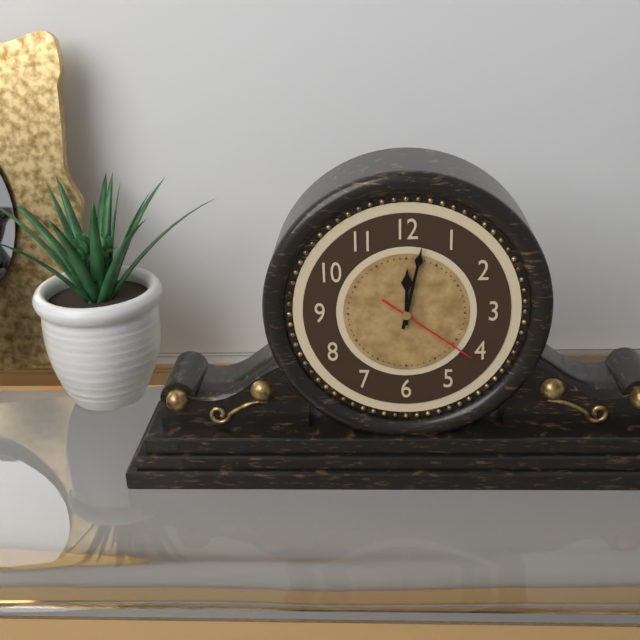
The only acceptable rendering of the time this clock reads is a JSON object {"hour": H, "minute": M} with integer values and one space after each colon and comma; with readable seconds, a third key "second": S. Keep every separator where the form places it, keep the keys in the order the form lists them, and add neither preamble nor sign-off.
{"hour": 12, "minute": 2, "second": 21}
